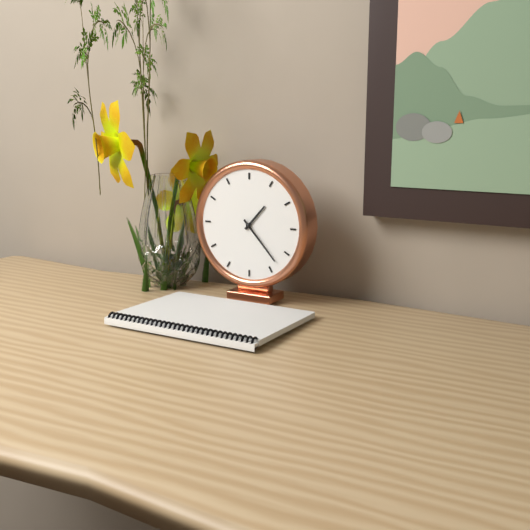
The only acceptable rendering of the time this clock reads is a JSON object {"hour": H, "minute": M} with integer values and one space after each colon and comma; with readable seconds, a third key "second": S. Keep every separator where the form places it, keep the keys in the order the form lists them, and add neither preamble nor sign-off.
{"hour": 1, "minute": 23}
